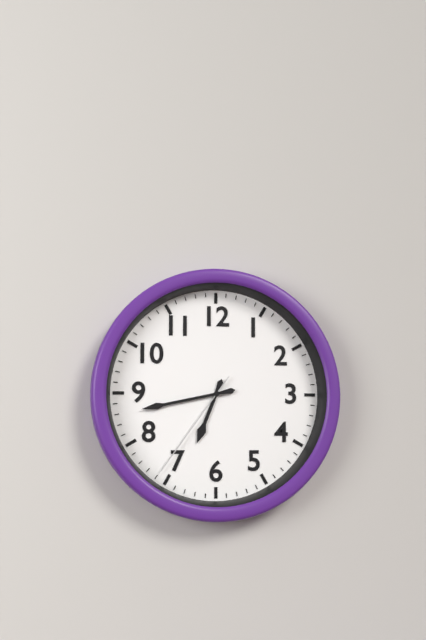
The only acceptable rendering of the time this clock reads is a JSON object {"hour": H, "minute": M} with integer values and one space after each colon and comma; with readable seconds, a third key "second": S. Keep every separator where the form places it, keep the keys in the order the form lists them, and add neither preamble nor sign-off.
{"hour": 6, "minute": 43, "second": 36}
